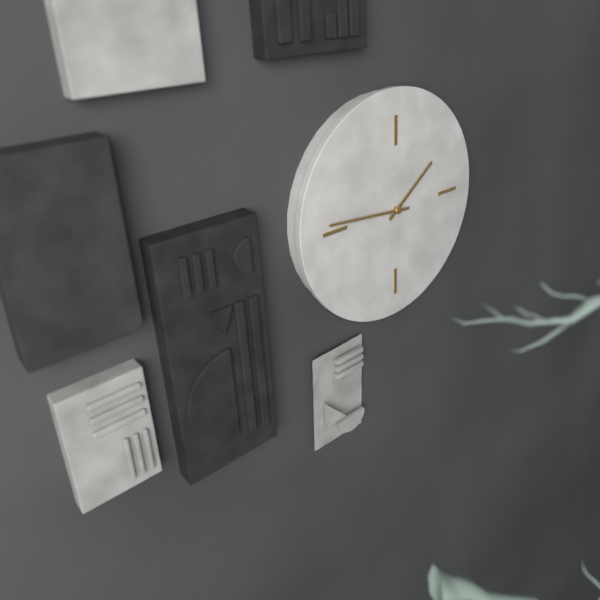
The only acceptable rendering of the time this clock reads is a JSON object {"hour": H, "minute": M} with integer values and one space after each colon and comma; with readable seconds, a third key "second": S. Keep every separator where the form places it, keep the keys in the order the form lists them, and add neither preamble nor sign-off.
{"hour": 1, "minute": 46}
